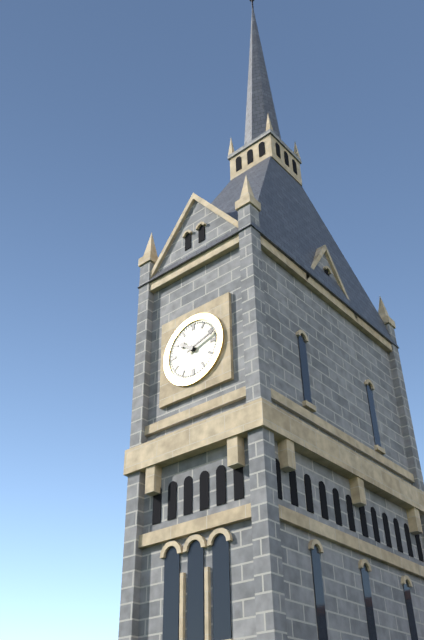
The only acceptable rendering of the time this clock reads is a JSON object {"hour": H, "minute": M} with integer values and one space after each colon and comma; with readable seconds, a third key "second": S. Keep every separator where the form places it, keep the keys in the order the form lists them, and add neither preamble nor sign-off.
{"hour": 10, "minute": 12}
